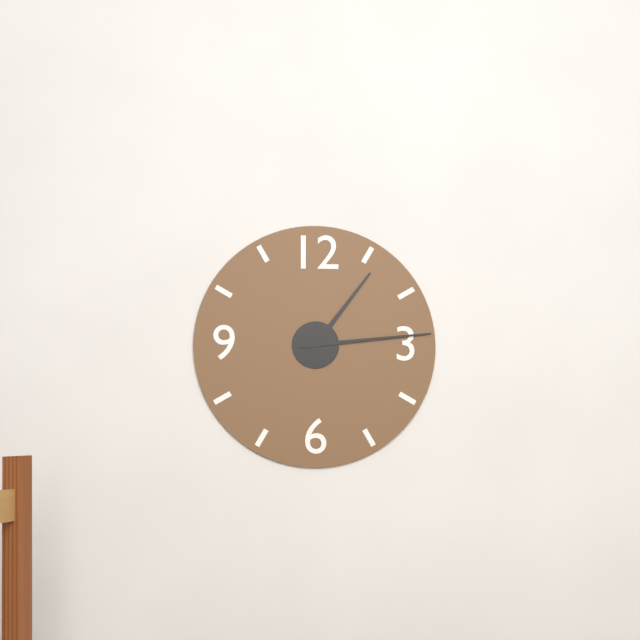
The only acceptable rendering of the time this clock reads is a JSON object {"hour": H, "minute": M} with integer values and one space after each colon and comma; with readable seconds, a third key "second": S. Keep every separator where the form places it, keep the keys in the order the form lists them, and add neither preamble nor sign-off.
{"hour": 1, "minute": 14}
